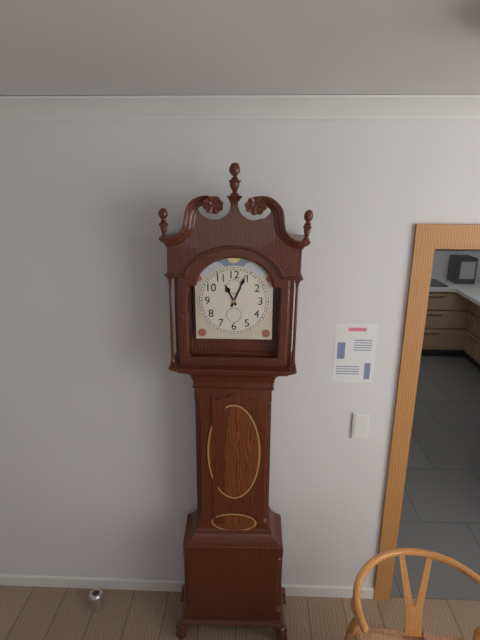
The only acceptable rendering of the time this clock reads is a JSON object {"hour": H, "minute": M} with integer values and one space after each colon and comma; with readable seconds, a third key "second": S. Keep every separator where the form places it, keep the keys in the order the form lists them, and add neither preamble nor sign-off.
{"hour": 11, "minute": 4}
